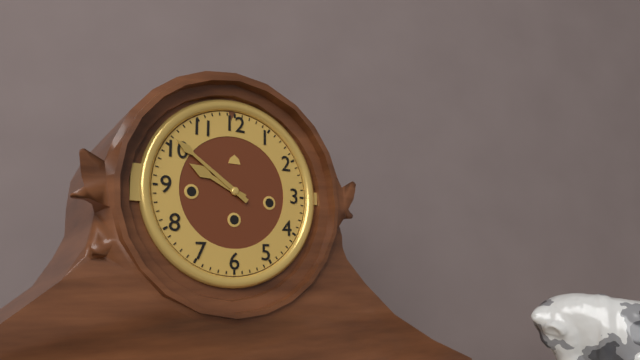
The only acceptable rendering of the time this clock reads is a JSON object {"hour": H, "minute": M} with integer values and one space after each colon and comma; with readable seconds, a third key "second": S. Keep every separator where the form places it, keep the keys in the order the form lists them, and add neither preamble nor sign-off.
{"hour": 9, "minute": 51}
